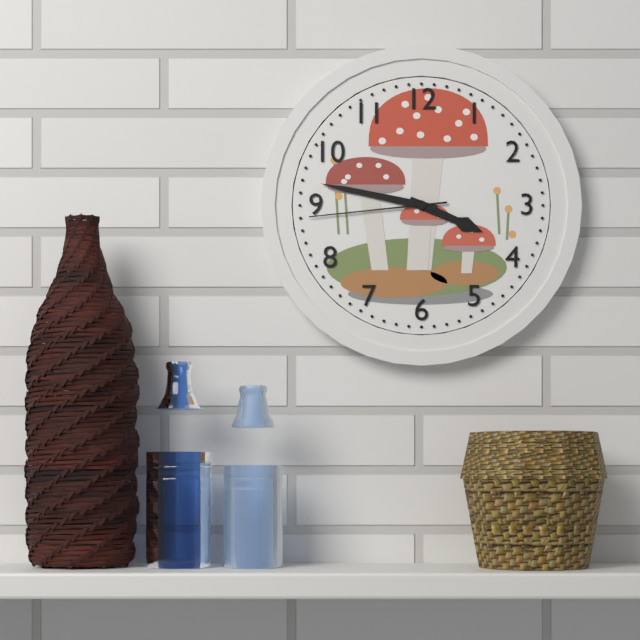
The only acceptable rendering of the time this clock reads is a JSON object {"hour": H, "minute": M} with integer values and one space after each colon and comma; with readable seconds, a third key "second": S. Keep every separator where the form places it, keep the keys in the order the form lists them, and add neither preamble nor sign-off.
{"hour": 3, "minute": 47, "second": 44}
